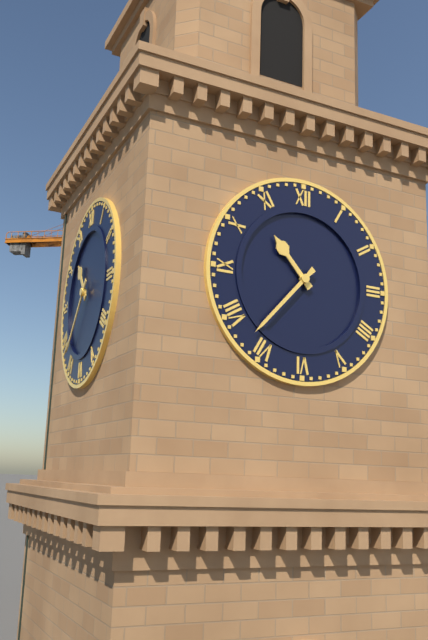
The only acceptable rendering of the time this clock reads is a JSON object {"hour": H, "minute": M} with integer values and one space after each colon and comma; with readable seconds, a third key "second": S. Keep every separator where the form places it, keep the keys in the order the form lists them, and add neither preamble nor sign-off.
{"hour": 10, "minute": 37}
